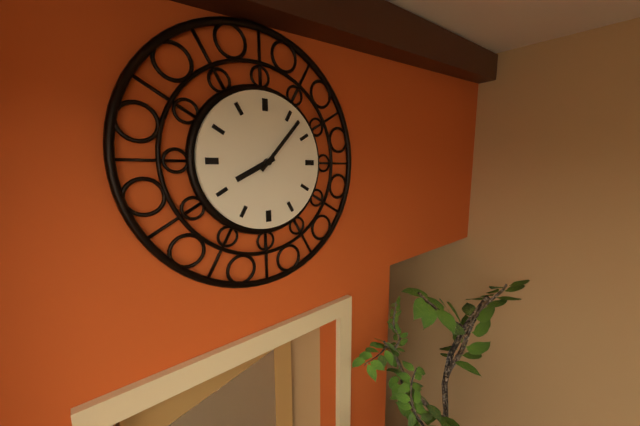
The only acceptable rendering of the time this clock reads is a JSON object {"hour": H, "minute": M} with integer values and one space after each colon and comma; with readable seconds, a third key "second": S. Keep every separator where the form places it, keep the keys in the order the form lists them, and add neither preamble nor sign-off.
{"hour": 8, "minute": 7}
